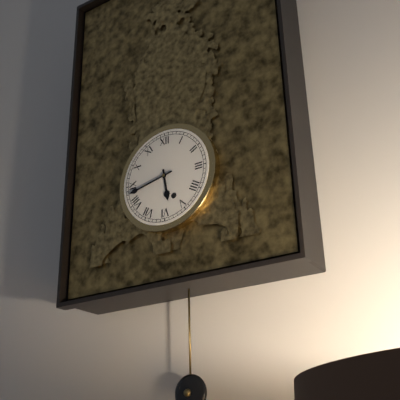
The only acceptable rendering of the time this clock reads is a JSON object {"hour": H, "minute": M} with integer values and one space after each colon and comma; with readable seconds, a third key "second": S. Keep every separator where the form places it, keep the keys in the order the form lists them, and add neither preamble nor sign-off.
{"hour": 5, "minute": 43}
